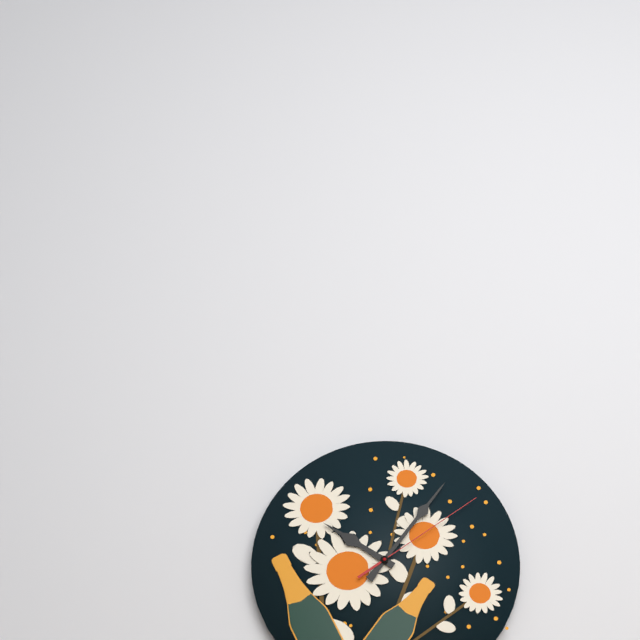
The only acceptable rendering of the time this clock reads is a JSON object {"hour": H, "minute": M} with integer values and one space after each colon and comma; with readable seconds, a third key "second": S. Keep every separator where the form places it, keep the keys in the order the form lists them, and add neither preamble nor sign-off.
{"hour": 10, "minute": 6, "second": 9}
